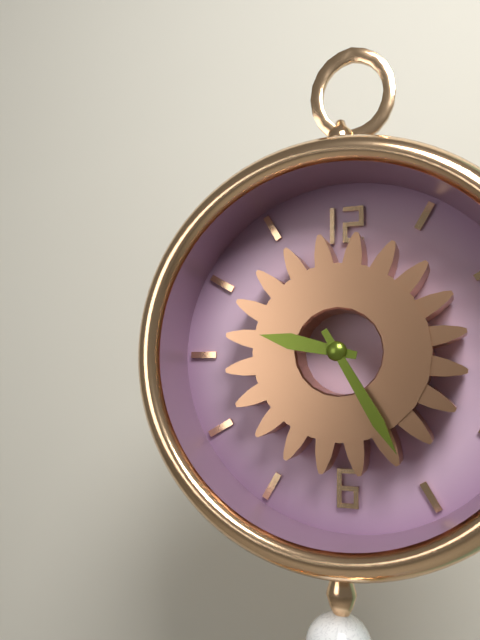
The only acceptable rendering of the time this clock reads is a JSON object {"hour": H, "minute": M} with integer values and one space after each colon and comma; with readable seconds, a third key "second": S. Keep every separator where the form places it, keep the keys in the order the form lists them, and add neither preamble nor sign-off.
{"hour": 9, "minute": 25}
